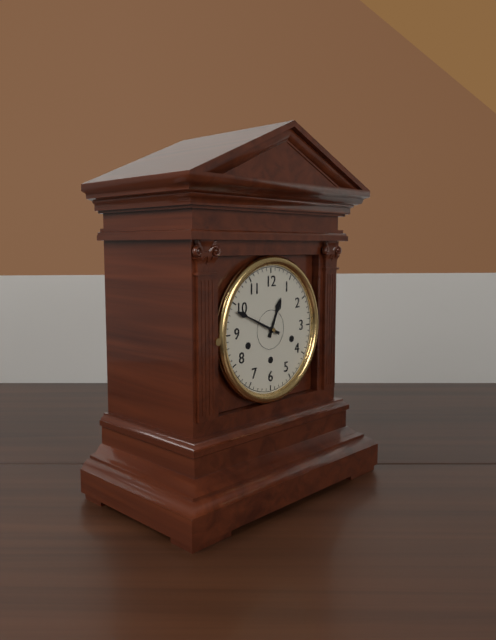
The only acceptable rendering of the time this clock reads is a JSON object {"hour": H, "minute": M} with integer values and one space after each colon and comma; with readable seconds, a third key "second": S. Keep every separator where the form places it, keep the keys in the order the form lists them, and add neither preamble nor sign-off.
{"hour": 12, "minute": 49}
